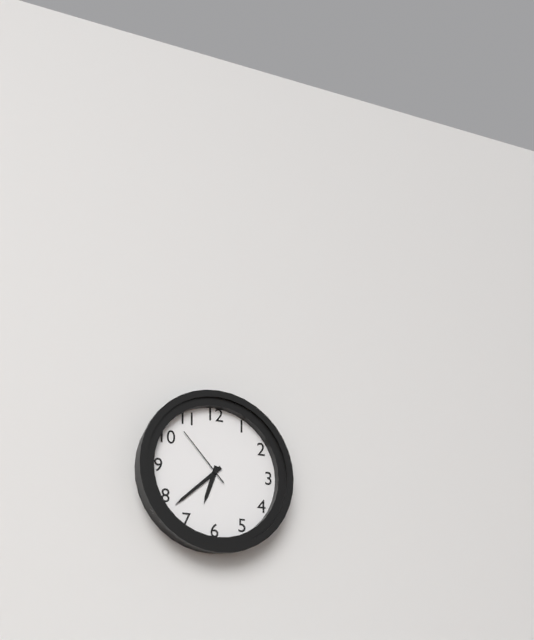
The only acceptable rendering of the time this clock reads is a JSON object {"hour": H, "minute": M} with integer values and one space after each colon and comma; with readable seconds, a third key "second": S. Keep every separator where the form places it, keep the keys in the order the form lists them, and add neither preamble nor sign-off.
{"hour": 6, "minute": 38, "second": 53}
